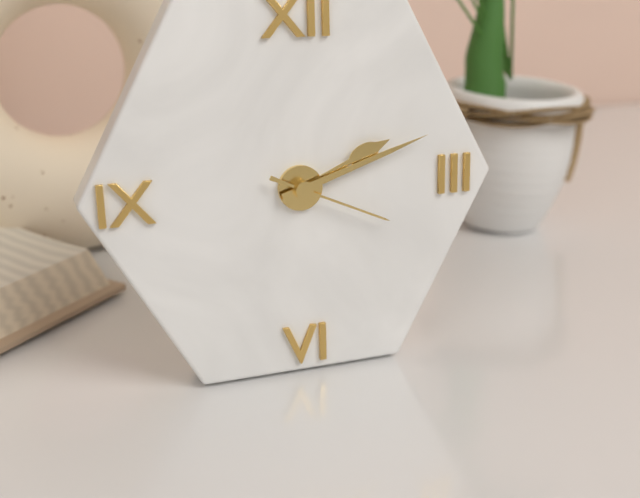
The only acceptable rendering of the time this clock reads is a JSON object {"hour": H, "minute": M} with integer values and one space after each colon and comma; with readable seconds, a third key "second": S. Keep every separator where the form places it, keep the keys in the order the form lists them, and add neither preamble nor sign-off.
{"hour": 2, "minute": 12, "second": 19}
